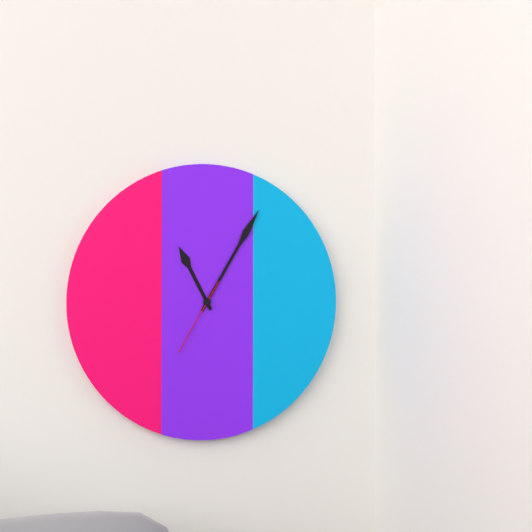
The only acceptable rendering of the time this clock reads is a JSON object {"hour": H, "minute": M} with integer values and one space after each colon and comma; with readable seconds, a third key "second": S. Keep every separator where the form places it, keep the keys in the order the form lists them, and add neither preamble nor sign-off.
{"hour": 11, "minute": 5, "second": 35}
